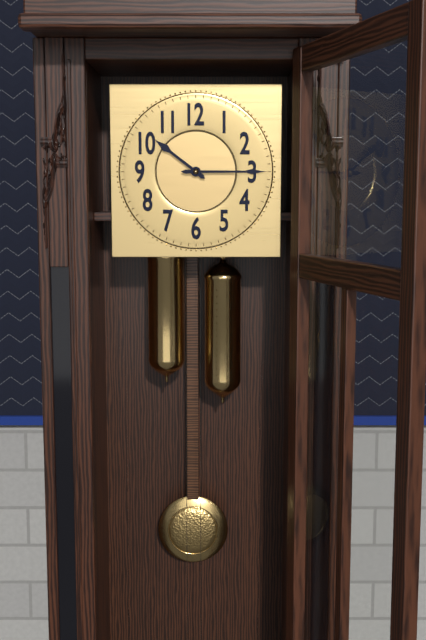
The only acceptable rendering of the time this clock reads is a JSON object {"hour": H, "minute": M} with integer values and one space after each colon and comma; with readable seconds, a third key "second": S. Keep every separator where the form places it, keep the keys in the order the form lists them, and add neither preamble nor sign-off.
{"hour": 10, "minute": 15}
